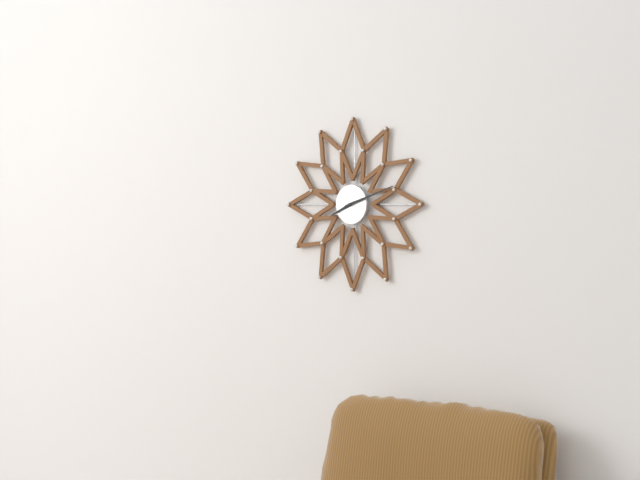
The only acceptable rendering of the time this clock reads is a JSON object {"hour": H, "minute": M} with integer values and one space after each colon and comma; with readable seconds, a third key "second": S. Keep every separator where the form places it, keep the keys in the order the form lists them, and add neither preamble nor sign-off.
{"hour": 8, "minute": 12}
